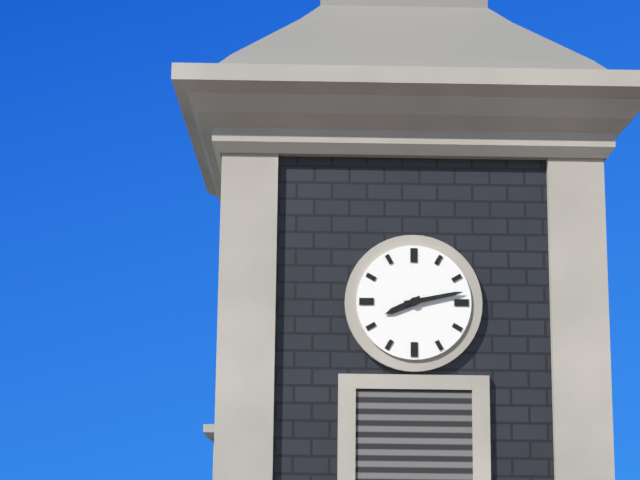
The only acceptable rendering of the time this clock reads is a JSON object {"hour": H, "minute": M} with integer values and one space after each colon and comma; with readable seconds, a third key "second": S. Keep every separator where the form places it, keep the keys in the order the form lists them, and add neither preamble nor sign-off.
{"hour": 8, "minute": 13}
